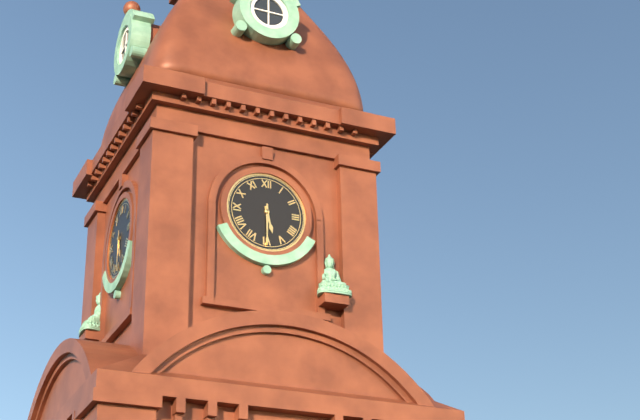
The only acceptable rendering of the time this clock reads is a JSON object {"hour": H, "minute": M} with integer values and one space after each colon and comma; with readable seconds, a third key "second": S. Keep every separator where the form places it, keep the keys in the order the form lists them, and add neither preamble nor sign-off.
{"hour": 5, "minute": 30}
